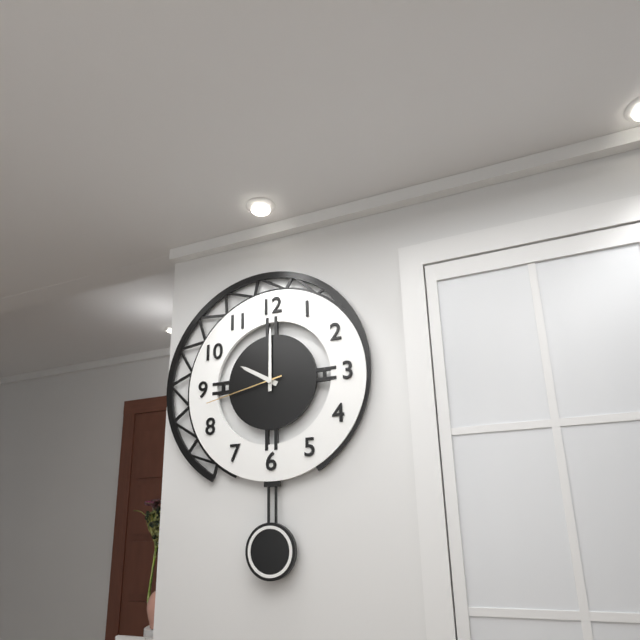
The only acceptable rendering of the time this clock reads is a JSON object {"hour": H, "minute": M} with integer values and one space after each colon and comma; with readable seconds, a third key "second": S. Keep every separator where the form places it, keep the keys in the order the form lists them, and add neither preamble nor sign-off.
{"hour": 10, "minute": 0, "second": 43}
